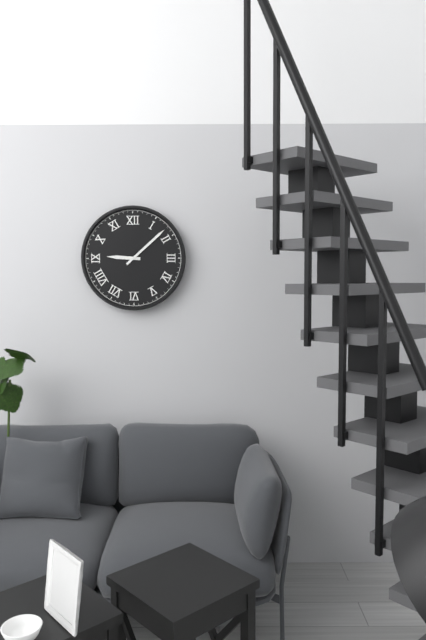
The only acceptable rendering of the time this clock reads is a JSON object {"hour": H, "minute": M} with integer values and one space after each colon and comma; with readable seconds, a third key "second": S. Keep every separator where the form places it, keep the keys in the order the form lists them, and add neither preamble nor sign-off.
{"hour": 9, "minute": 8}
